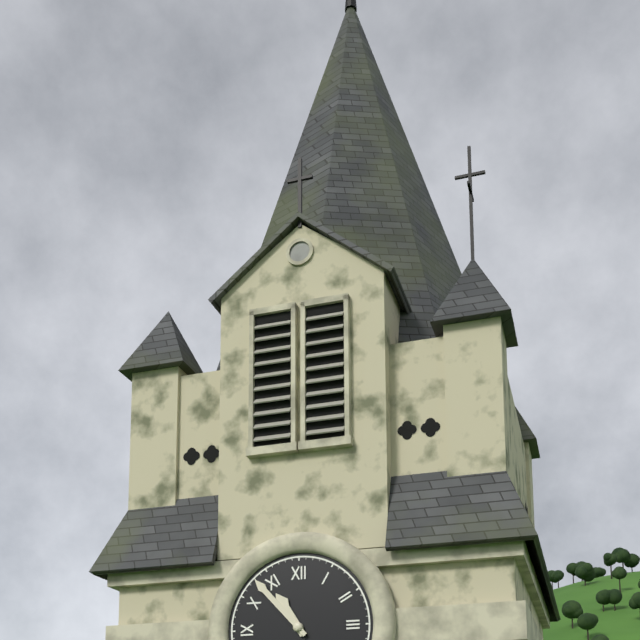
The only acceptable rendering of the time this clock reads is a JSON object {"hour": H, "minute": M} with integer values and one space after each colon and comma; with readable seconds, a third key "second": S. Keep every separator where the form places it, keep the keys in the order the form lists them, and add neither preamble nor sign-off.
{"hour": 10, "minute": 53}
